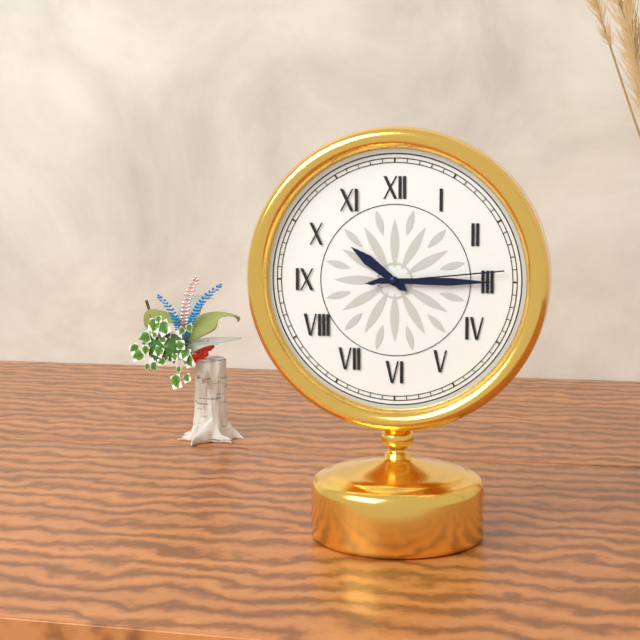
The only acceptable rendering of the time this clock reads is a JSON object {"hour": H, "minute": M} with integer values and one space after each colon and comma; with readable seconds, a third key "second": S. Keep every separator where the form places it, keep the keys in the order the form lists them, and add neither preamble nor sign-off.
{"hour": 10, "minute": 15, "second": 14}
